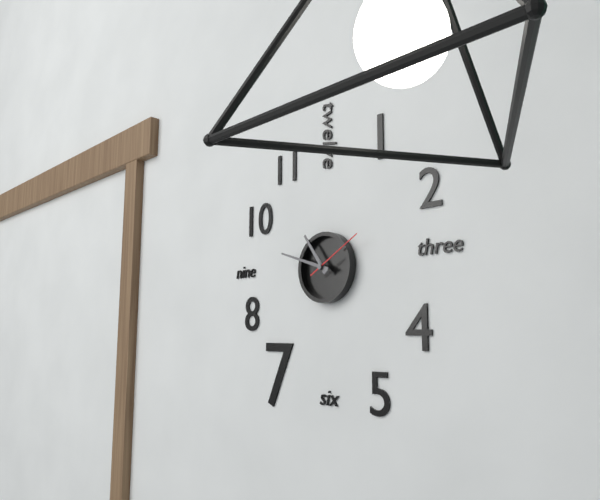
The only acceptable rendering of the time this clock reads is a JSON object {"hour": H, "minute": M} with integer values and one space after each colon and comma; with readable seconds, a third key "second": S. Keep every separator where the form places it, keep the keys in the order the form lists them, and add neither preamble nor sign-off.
{"hour": 10, "minute": 48, "second": 10}
